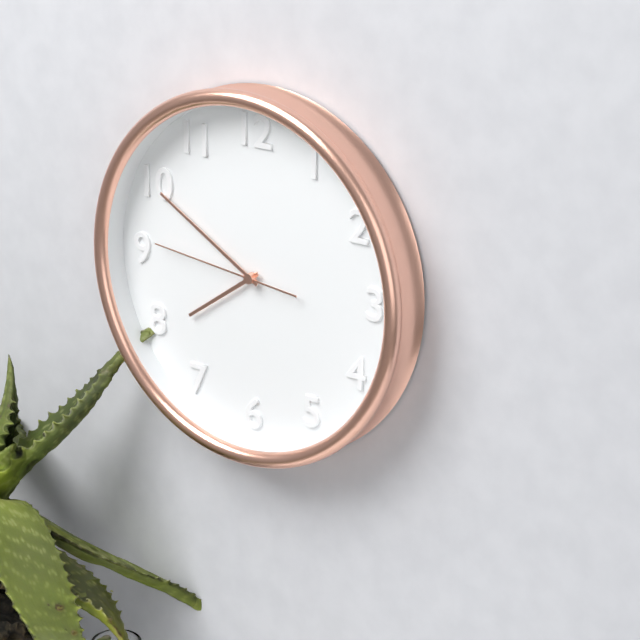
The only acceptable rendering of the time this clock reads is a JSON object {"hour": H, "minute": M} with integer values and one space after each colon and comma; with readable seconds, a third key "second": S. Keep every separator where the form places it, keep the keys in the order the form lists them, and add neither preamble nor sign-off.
{"hour": 7, "minute": 50, "second": 46}
